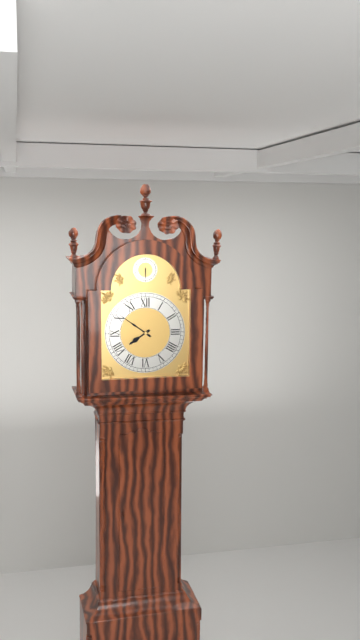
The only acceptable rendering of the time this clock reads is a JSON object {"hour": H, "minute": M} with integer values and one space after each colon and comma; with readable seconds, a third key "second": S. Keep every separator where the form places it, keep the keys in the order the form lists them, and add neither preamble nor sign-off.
{"hour": 7, "minute": 51}
